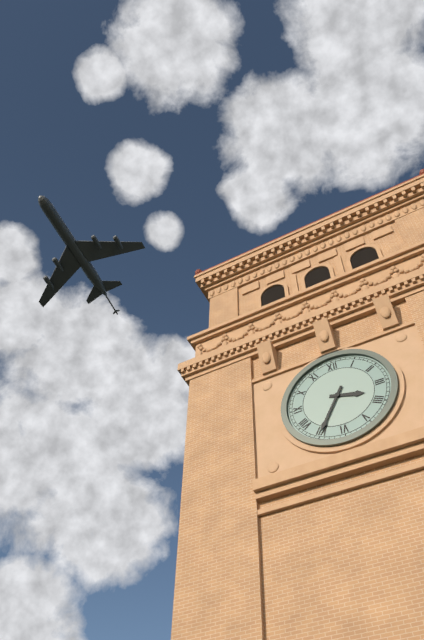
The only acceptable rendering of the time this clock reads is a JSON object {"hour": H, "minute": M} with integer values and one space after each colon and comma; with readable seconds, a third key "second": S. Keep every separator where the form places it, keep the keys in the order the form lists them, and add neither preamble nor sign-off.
{"hour": 3, "minute": 35}
